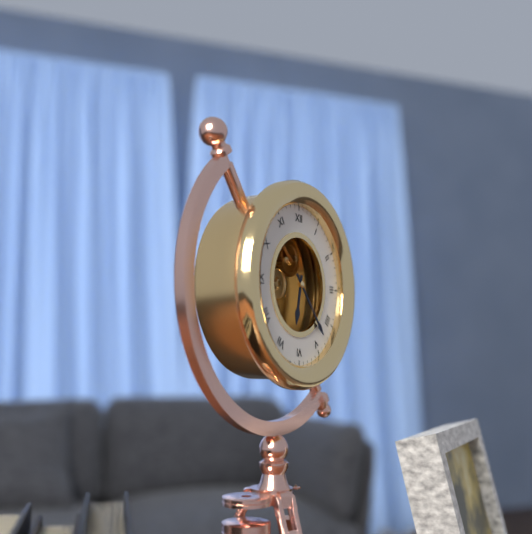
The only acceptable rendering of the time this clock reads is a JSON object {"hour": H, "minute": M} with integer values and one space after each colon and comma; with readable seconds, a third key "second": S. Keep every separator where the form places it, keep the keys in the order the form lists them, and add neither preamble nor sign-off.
{"hour": 6, "minute": 23}
